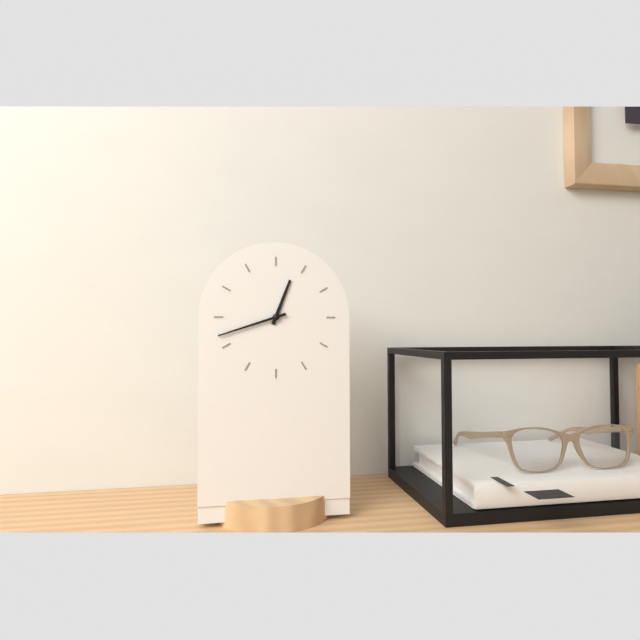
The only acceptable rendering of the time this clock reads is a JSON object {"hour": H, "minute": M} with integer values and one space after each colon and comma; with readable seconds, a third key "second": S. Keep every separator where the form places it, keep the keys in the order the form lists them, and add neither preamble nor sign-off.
{"hour": 12, "minute": 42}
